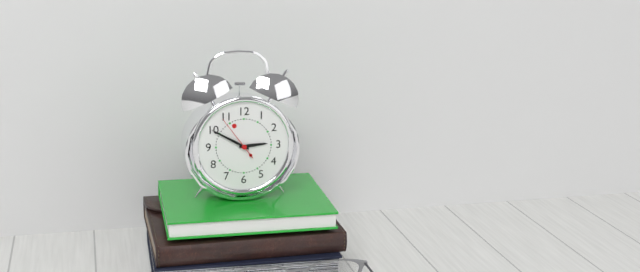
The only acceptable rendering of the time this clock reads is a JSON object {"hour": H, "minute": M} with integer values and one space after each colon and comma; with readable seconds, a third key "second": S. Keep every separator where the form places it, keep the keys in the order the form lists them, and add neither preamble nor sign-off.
{"hour": 2, "minute": 50}
